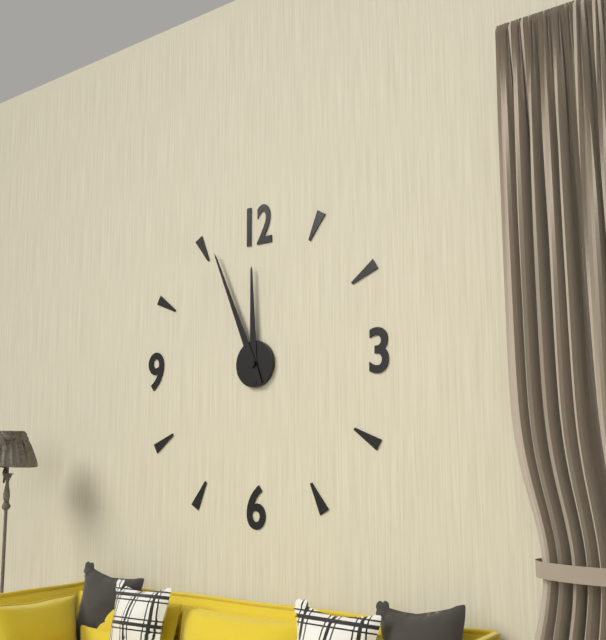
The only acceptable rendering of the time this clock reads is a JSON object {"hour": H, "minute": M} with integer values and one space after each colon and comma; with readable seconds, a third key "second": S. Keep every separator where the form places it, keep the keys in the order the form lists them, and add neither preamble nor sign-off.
{"hour": 11, "minute": 56}
